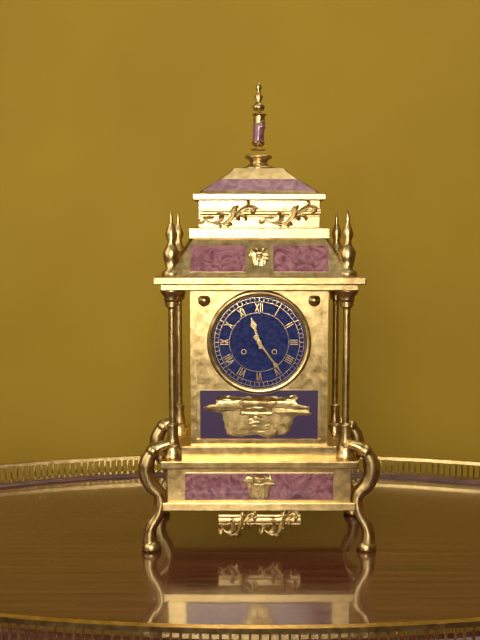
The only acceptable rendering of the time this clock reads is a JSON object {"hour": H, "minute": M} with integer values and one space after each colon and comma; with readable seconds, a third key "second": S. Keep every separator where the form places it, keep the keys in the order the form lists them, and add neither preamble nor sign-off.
{"hour": 11, "minute": 24}
